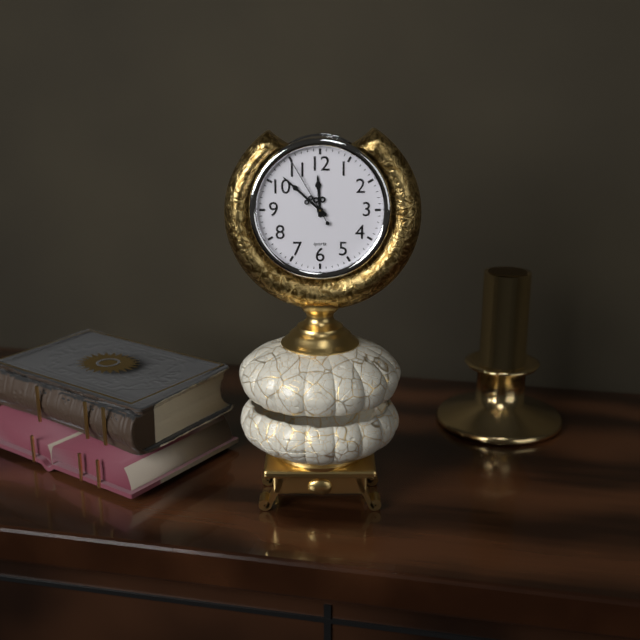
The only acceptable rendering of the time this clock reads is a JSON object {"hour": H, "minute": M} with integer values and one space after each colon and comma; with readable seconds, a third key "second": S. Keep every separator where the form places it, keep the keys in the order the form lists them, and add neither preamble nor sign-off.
{"hour": 11, "minute": 52, "second": 55}
